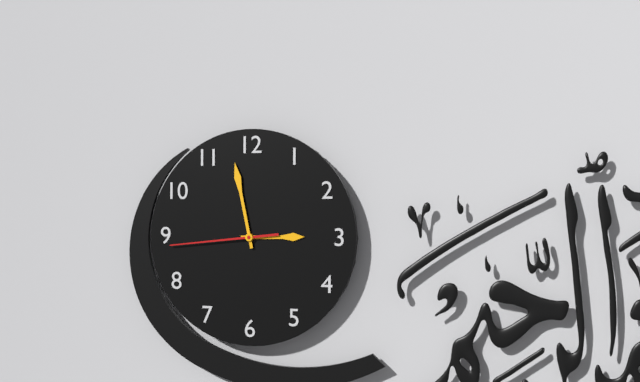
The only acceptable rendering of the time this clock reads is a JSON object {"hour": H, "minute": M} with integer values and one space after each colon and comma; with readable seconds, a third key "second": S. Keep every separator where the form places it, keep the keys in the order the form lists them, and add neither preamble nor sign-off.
{"hour": 2, "minute": 58, "second": 44}
